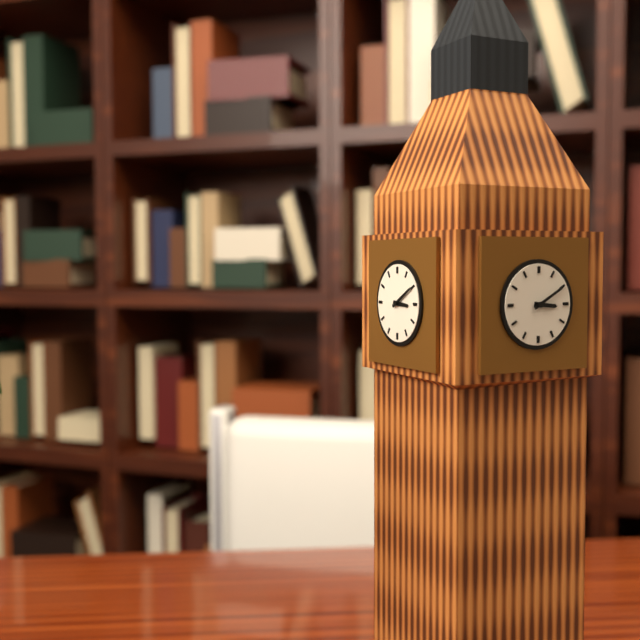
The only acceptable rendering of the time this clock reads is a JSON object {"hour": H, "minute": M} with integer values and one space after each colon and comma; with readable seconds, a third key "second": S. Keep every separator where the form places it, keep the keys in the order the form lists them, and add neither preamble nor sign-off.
{"hour": 3, "minute": 10}
